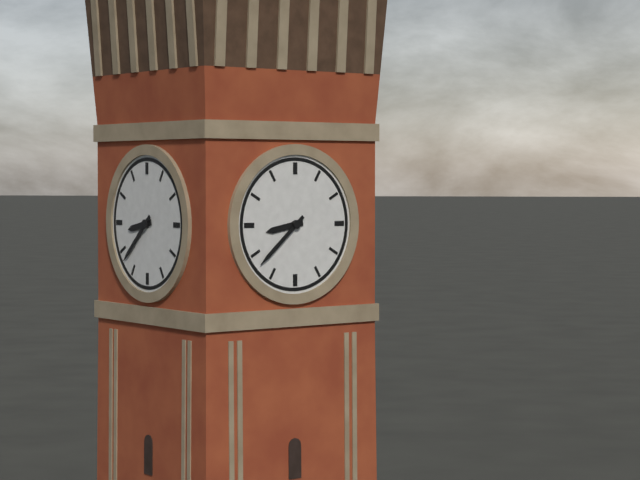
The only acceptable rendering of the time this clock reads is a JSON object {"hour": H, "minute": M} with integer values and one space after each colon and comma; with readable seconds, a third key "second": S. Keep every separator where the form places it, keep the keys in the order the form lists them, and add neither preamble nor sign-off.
{"hour": 8, "minute": 38}
